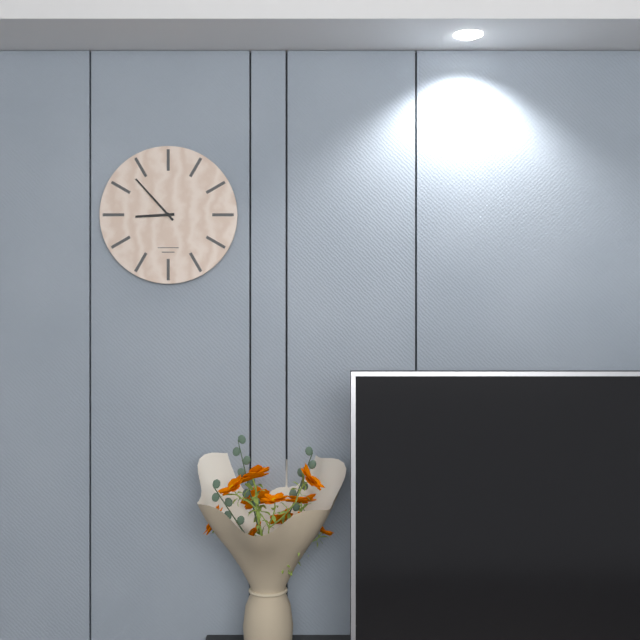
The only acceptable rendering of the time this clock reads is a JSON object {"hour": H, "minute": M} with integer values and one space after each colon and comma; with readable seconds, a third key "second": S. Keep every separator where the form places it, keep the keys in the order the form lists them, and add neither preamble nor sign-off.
{"hour": 8, "minute": 53}
